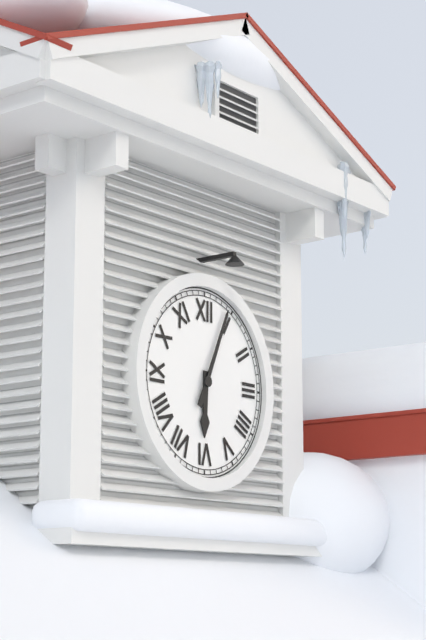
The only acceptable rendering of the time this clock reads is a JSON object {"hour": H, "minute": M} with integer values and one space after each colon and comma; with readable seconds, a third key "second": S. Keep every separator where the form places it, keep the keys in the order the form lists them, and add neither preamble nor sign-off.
{"hour": 6, "minute": 4}
